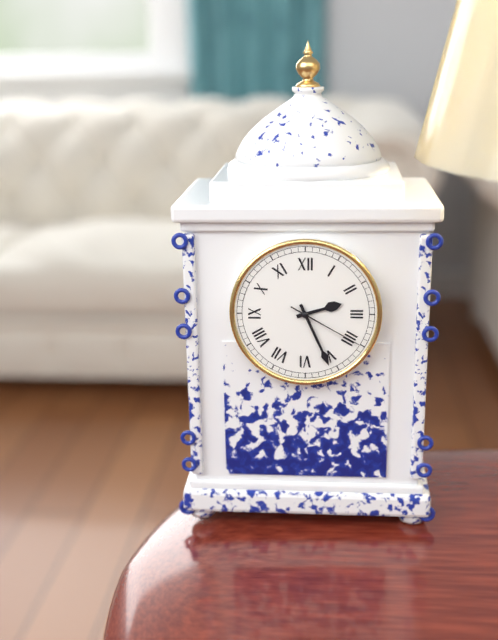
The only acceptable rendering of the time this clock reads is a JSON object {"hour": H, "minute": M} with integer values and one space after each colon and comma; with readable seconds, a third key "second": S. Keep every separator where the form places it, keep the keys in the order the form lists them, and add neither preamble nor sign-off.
{"hour": 2, "minute": 26, "second": 20}
